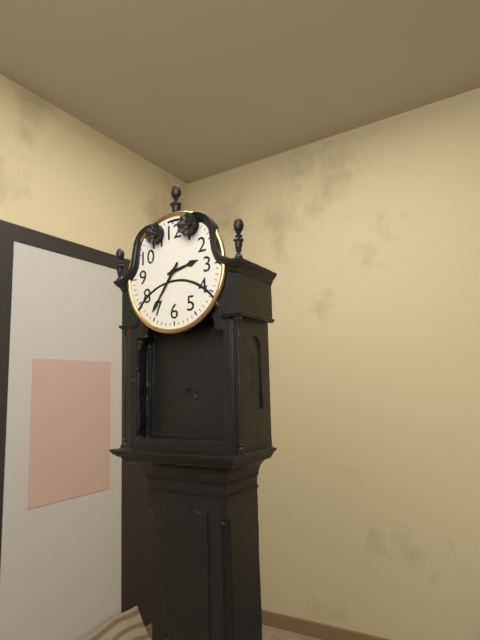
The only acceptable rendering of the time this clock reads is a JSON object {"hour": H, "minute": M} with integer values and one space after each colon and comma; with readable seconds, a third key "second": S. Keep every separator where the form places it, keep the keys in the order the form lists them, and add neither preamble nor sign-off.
{"hour": 2, "minute": 36}
